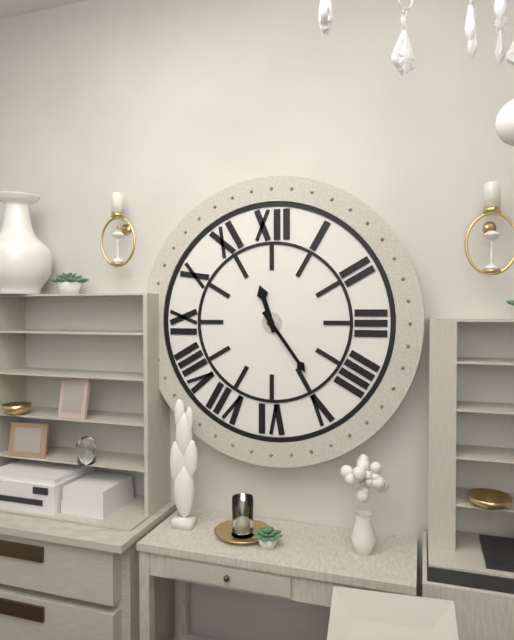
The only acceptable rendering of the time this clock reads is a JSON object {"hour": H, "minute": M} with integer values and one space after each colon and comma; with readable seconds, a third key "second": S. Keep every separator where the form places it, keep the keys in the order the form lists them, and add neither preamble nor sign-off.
{"hour": 11, "minute": 24}
